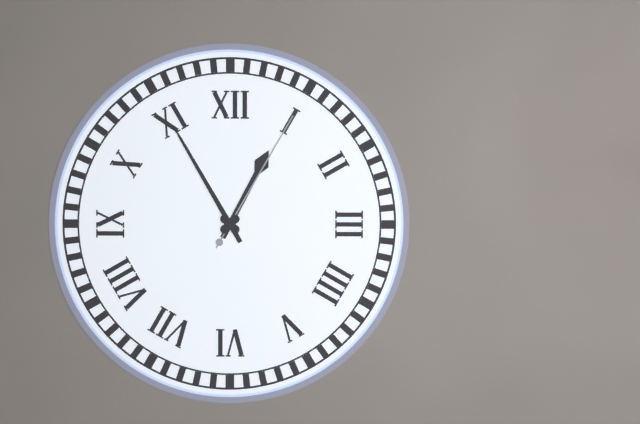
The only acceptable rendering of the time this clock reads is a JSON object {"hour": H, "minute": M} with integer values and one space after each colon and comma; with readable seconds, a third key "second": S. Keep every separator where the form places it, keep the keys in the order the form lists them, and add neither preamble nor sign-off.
{"hour": 12, "minute": 55, "second": 5}
